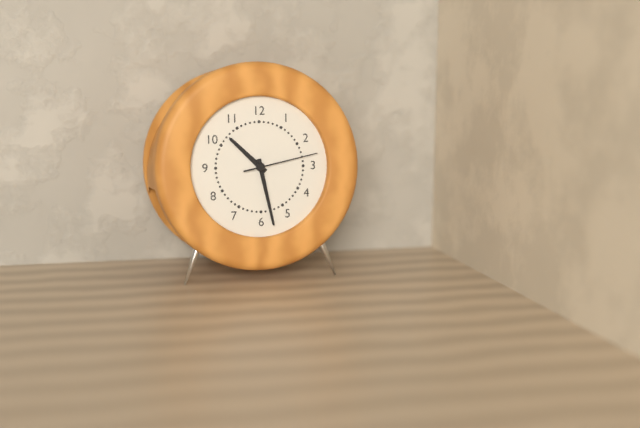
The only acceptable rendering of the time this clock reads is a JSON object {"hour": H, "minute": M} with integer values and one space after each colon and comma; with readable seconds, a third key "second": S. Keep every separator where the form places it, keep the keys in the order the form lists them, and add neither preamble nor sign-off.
{"hour": 10, "minute": 28, "second": 13}
